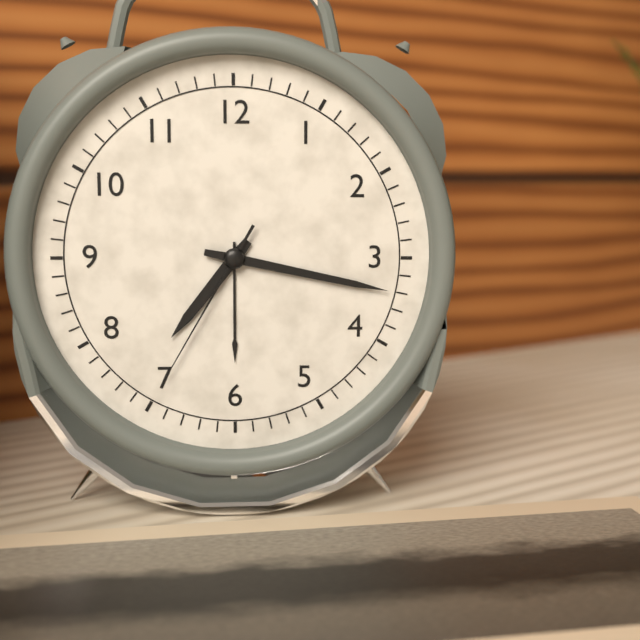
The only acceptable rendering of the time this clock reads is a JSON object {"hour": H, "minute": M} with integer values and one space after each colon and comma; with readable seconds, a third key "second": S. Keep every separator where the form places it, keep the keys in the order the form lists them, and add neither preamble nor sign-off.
{"hour": 7, "minute": 17, "second": 35}
